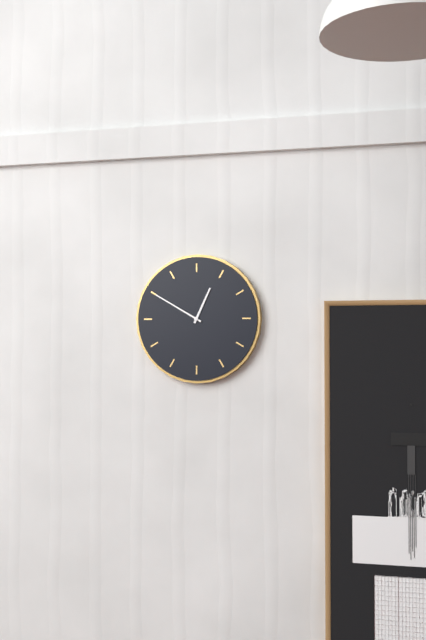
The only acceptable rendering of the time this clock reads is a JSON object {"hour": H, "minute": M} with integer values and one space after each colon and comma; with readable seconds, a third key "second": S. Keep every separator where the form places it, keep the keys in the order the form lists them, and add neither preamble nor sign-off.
{"hour": 12, "minute": 50}
